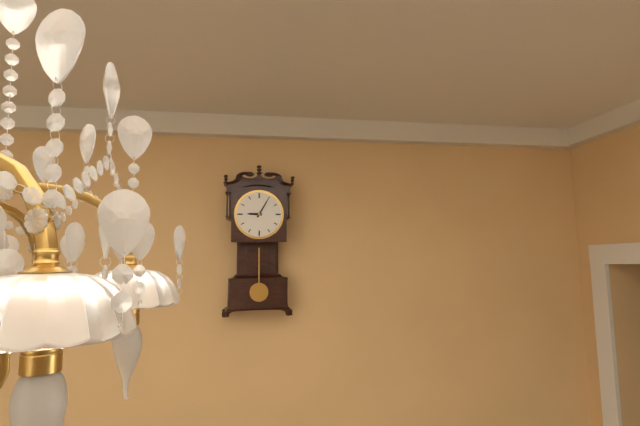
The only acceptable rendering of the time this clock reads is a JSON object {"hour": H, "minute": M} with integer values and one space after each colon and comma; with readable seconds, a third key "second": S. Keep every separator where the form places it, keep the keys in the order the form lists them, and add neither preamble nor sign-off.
{"hour": 9, "minute": 5}
